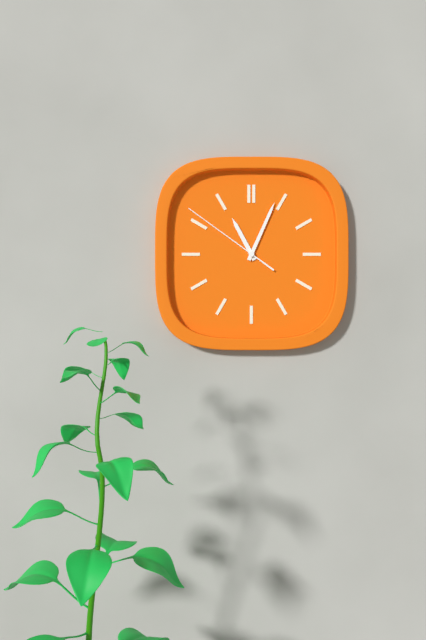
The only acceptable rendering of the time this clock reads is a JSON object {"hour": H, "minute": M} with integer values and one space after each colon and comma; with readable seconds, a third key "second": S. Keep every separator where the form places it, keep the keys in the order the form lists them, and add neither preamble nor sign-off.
{"hour": 11, "minute": 4, "second": 51}
